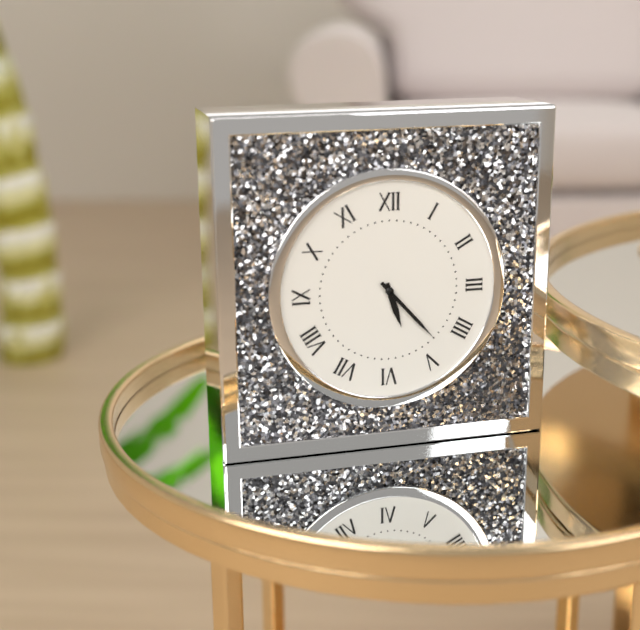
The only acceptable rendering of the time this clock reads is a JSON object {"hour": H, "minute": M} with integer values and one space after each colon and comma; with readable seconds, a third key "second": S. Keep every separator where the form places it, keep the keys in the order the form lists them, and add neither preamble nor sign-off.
{"hour": 5, "minute": 23}
